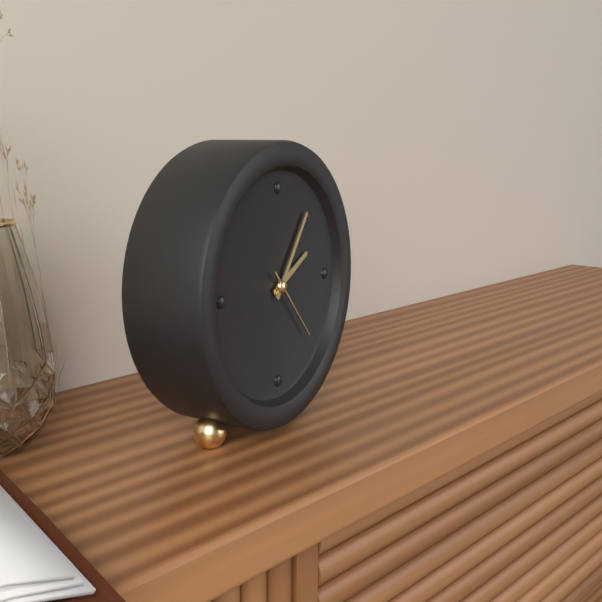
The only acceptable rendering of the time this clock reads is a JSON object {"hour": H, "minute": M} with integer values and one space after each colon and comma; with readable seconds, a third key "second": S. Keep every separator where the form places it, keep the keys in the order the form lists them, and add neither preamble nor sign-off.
{"hour": 2, "minute": 6, "second": 23}
